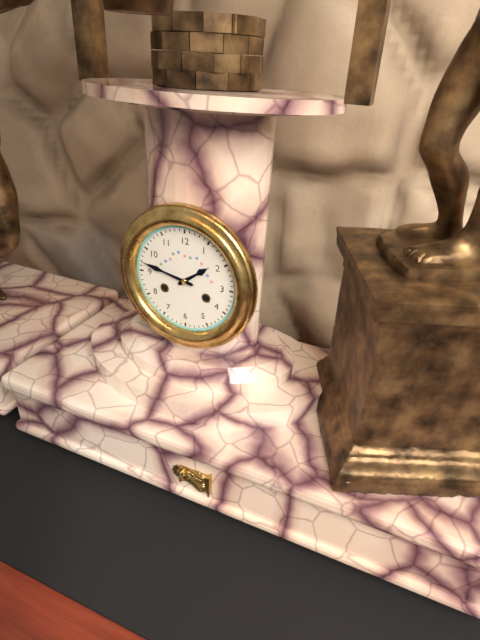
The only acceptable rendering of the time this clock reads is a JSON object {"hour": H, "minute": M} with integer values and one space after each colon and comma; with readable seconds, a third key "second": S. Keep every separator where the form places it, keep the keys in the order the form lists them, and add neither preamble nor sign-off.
{"hour": 1, "minute": 47}
